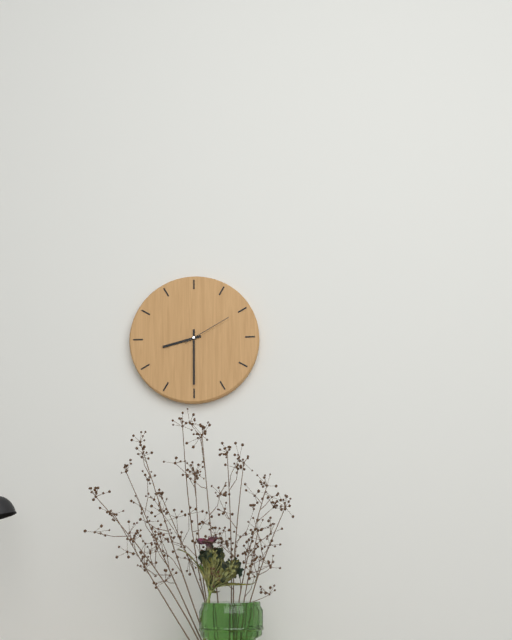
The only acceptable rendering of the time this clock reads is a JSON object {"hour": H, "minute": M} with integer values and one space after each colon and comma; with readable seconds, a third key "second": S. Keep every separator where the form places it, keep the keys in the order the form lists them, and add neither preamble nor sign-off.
{"hour": 8, "minute": 30, "second": 10}
